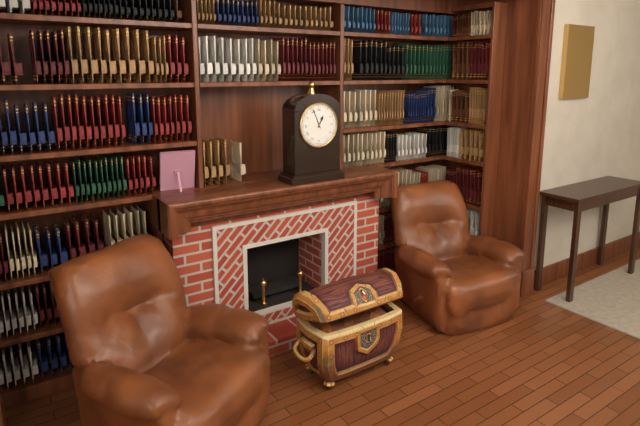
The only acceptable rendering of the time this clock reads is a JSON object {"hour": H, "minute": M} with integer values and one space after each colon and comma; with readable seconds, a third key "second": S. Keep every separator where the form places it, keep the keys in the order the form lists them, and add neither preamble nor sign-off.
{"hour": 12, "minute": 56}
